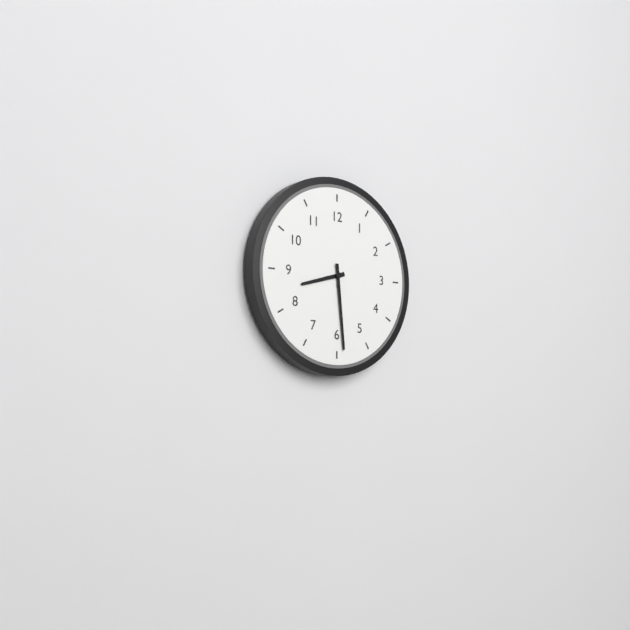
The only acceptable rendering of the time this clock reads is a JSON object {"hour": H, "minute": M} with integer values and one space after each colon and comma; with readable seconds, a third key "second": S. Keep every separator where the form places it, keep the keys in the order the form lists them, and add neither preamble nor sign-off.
{"hour": 8, "minute": 29}
